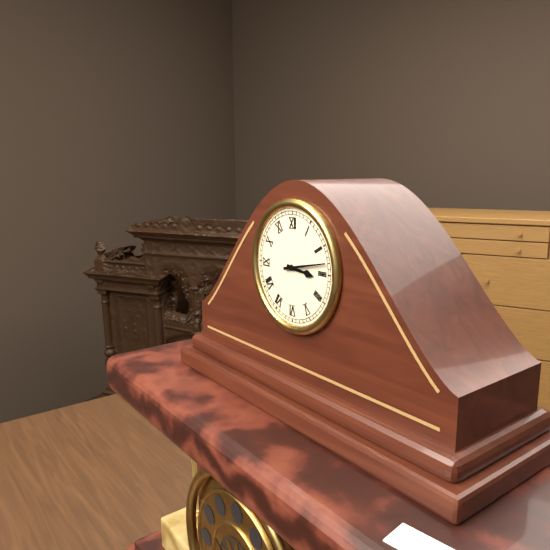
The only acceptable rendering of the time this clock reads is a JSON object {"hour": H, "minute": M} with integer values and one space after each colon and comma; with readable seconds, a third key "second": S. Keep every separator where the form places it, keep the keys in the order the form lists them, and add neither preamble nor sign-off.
{"hour": 3, "minute": 13}
